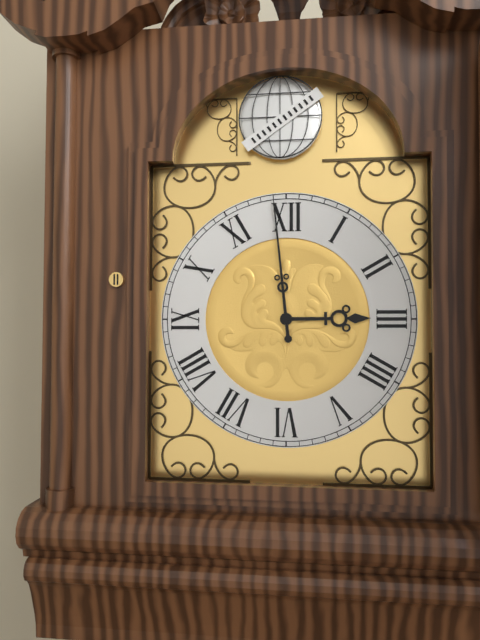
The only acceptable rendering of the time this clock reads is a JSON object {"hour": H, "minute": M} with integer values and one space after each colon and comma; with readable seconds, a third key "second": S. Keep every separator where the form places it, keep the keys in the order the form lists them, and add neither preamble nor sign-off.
{"hour": 2, "minute": 59}
